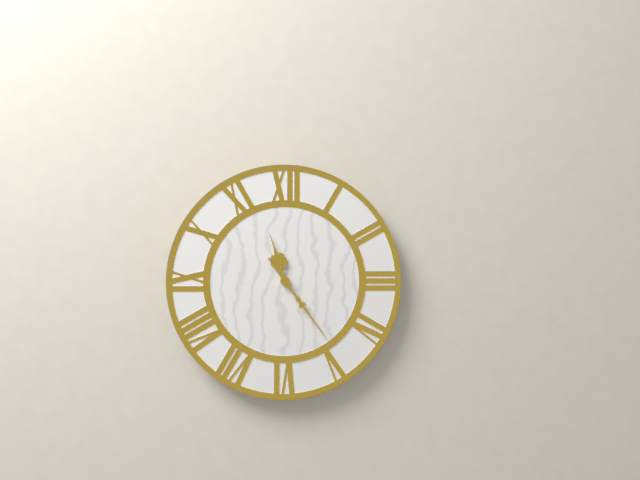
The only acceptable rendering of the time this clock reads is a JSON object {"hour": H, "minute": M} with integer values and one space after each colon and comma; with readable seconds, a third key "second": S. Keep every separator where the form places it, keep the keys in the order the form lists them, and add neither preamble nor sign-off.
{"hour": 11, "minute": 24}
